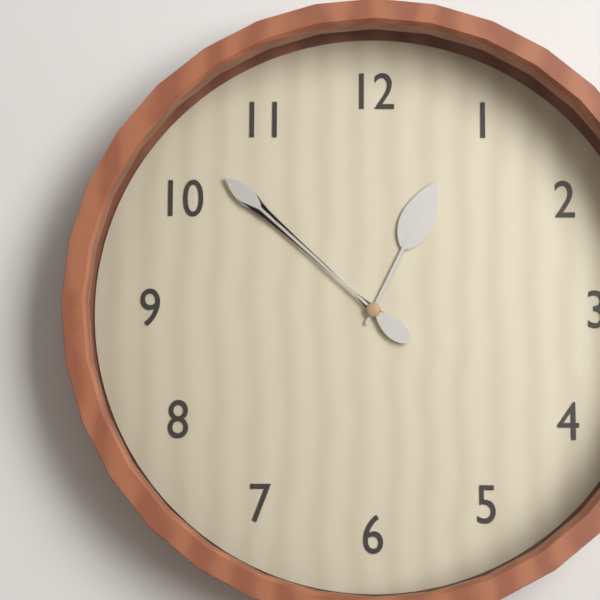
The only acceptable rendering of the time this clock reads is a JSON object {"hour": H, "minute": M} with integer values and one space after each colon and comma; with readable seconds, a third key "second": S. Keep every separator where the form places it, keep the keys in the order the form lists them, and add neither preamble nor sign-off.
{"hour": 12, "minute": 52}
